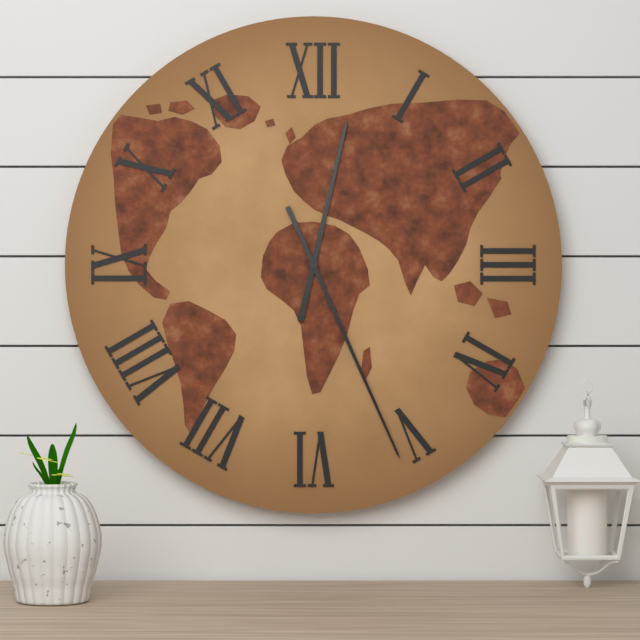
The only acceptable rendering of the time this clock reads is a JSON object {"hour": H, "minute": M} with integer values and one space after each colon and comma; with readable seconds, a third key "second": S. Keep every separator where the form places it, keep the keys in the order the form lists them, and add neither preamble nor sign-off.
{"hour": 12, "minute": 26}
